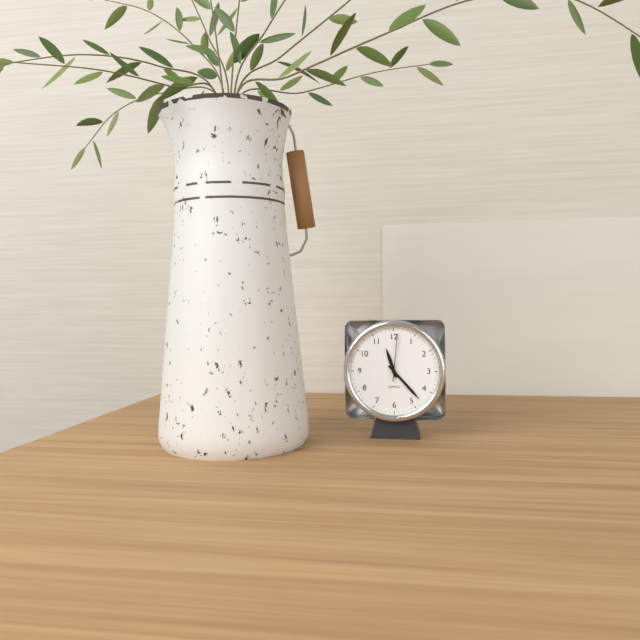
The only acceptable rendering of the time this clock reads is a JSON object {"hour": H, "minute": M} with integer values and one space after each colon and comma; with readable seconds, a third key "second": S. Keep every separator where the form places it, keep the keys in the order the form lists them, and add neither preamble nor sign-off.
{"hour": 11, "minute": 23}
